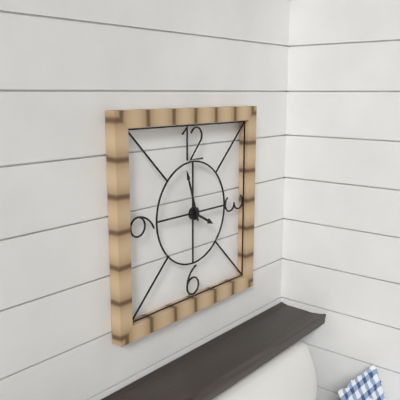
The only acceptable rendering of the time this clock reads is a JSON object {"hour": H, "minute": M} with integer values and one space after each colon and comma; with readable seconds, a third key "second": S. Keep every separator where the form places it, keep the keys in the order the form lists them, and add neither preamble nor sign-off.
{"hour": 3, "minute": 57}
